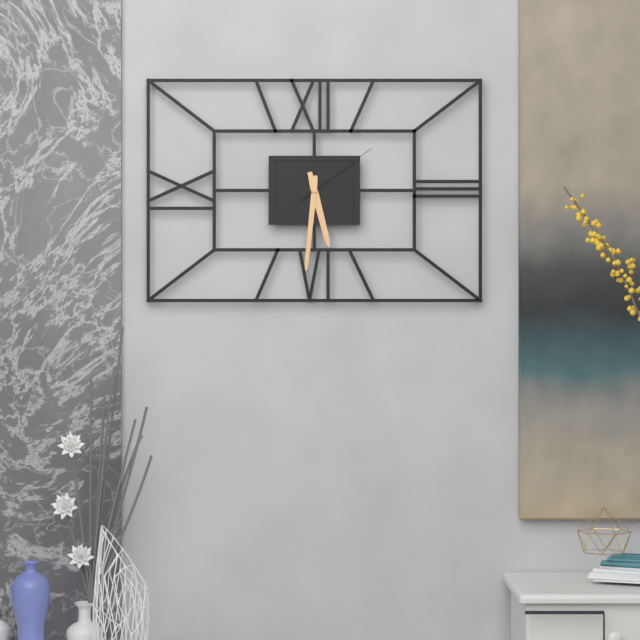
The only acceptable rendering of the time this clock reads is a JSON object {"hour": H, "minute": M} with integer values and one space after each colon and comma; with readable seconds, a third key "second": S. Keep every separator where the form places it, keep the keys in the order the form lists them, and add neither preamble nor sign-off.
{"hour": 5, "minute": 31, "second": 9}
